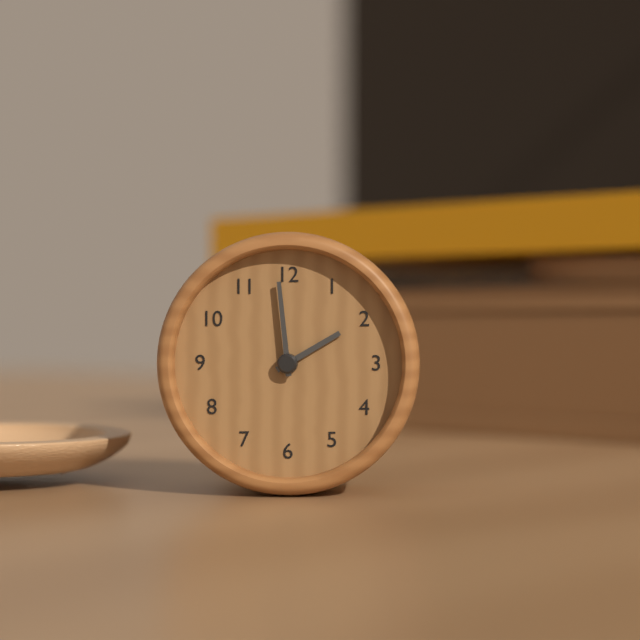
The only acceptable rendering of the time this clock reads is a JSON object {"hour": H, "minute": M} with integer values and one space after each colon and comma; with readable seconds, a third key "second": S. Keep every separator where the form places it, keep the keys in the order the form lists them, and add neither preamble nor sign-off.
{"hour": 1, "minute": 59}
